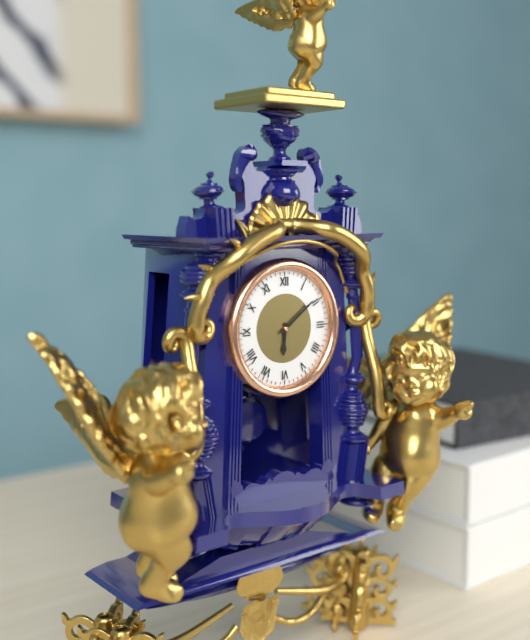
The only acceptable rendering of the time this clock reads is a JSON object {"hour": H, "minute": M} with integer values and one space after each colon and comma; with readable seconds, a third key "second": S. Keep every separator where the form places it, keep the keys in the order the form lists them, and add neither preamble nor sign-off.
{"hour": 6, "minute": 9}
